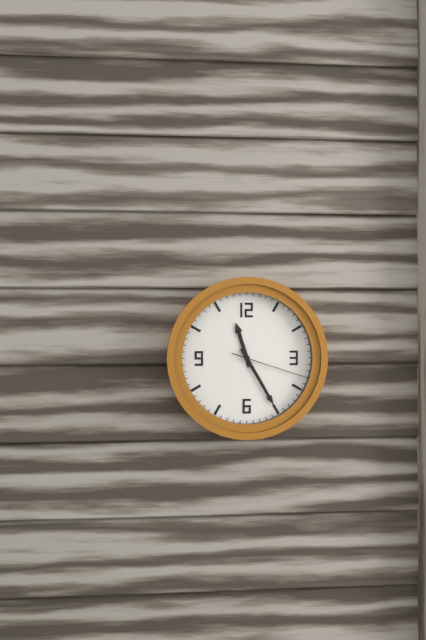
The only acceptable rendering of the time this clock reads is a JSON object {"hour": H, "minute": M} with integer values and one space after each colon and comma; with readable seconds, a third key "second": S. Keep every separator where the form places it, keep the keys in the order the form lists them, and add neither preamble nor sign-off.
{"hour": 11, "minute": 25, "second": 18}
